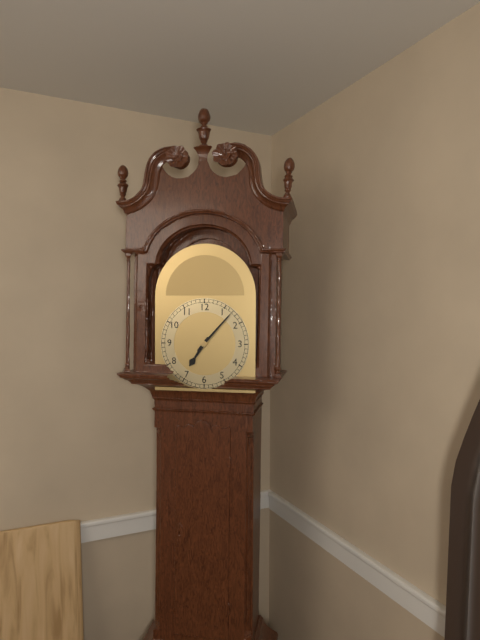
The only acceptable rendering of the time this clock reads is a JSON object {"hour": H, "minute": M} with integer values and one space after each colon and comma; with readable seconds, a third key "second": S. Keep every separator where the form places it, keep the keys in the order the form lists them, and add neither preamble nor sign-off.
{"hour": 7, "minute": 7}
